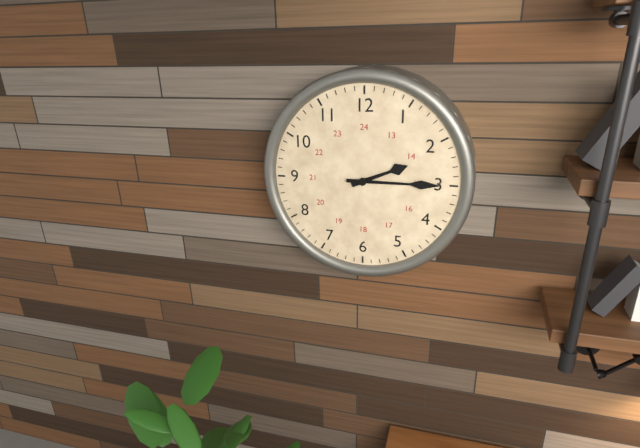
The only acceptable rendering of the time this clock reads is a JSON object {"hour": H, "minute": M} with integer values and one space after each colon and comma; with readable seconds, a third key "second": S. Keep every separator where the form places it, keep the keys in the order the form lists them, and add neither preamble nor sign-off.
{"hour": 2, "minute": 15}
